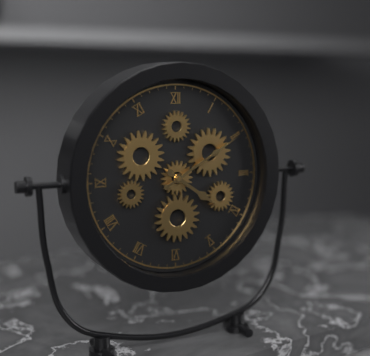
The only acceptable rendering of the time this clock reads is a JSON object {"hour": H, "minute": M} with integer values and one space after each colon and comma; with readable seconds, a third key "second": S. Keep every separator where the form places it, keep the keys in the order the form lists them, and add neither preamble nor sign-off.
{"hour": 4, "minute": 10}
